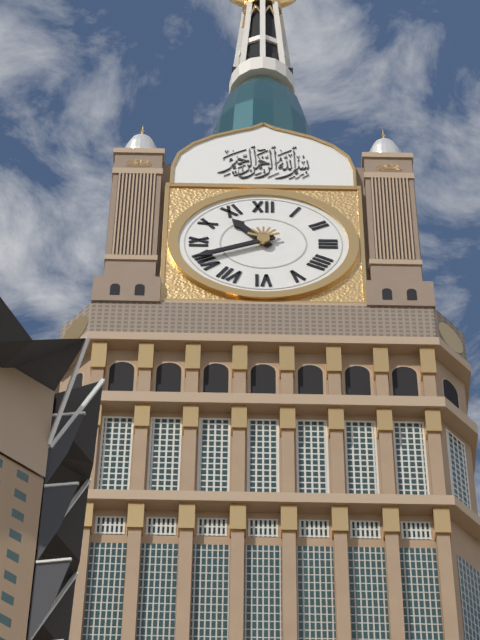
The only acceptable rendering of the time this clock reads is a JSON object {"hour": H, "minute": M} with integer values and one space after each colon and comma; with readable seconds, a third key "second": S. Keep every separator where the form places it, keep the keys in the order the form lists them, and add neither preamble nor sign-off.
{"hour": 10, "minute": 41}
